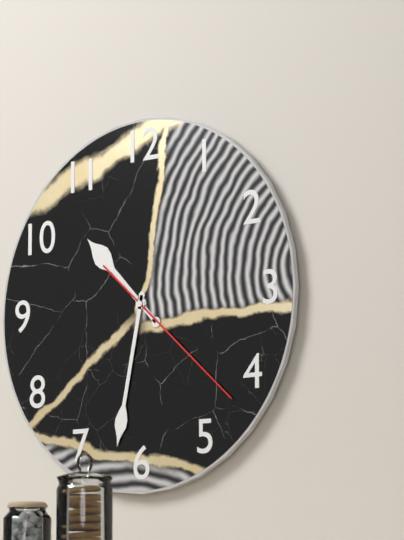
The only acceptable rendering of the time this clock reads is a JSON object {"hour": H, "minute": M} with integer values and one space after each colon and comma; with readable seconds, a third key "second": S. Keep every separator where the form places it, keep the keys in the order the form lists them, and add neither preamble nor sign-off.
{"hour": 10, "minute": 32, "second": 22}
